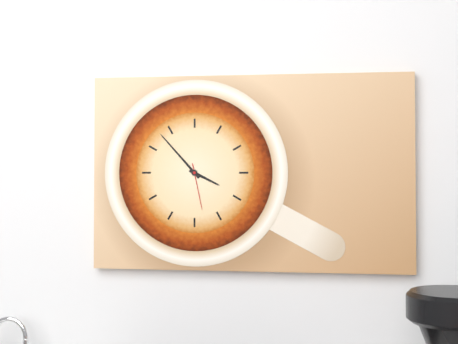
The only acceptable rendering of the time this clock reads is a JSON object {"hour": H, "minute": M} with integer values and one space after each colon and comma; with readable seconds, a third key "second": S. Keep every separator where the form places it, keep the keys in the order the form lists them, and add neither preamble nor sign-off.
{"hour": 3, "minute": 53}
